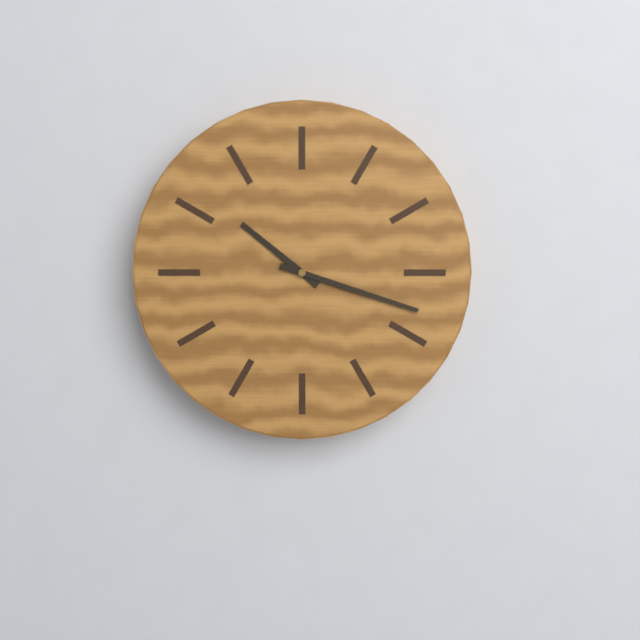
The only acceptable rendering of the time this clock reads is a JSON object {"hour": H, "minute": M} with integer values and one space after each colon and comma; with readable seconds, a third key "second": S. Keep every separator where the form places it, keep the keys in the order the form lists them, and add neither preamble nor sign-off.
{"hour": 10, "minute": 18}
